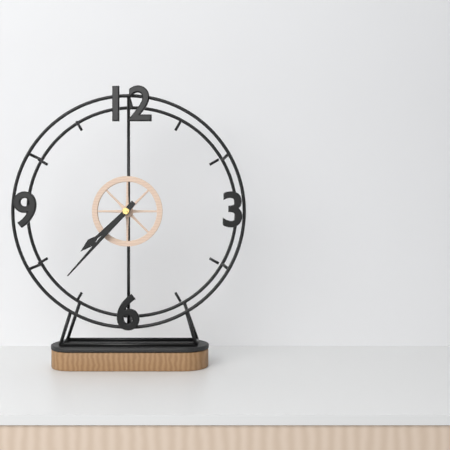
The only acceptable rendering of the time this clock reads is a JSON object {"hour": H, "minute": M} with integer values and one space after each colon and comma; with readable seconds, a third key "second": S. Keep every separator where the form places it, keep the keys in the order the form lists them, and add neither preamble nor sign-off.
{"hour": 7, "minute": 37}
